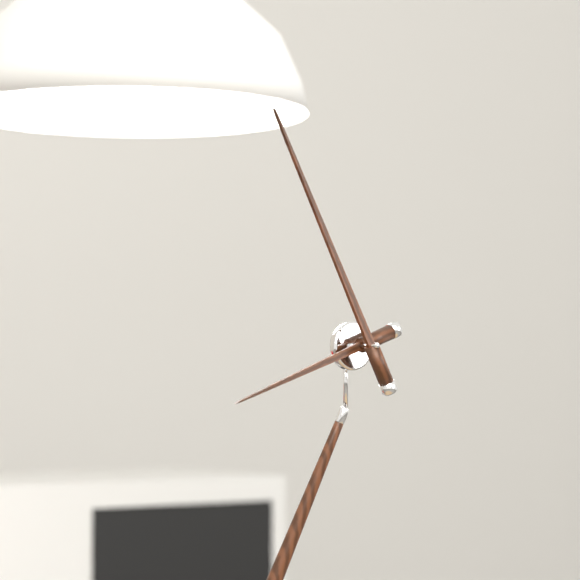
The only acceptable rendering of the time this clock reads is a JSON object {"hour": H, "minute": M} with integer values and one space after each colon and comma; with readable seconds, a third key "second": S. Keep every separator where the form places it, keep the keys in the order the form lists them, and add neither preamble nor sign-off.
{"hour": 7, "minute": 53}
